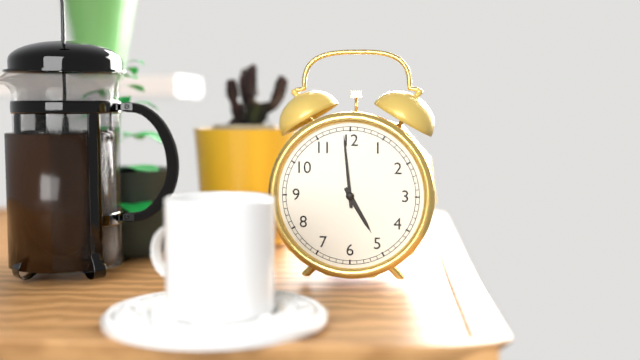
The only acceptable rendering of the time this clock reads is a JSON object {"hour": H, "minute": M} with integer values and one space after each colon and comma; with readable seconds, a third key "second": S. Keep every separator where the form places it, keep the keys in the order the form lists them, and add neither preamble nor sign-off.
{"hour": 4, "minute": 59}
